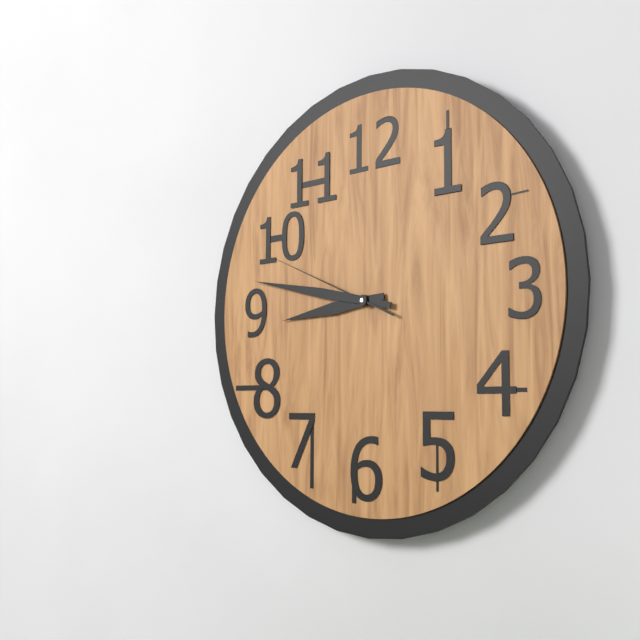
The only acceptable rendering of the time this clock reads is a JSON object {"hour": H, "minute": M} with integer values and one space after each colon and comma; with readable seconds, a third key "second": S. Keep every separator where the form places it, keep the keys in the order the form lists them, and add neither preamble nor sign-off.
{"hour": 8, "minute": 47, "second": 49}
